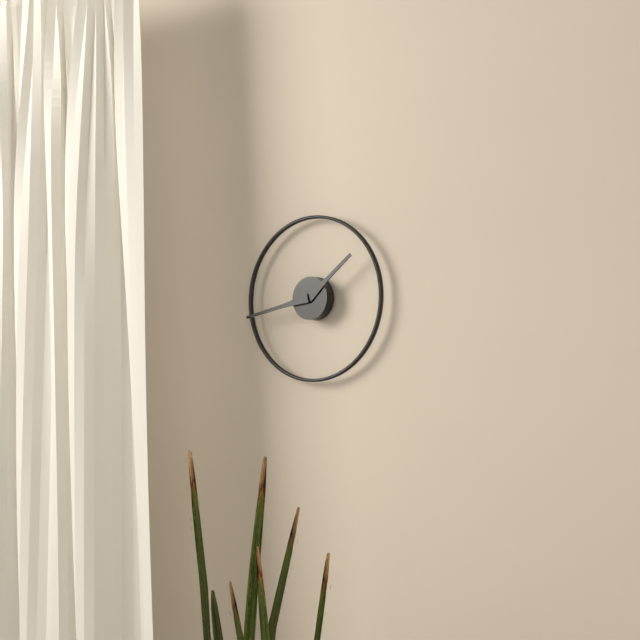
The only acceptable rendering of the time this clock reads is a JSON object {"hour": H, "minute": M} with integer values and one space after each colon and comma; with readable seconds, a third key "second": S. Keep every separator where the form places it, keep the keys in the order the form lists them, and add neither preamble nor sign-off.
{"hour": 1, "minute": 43}
